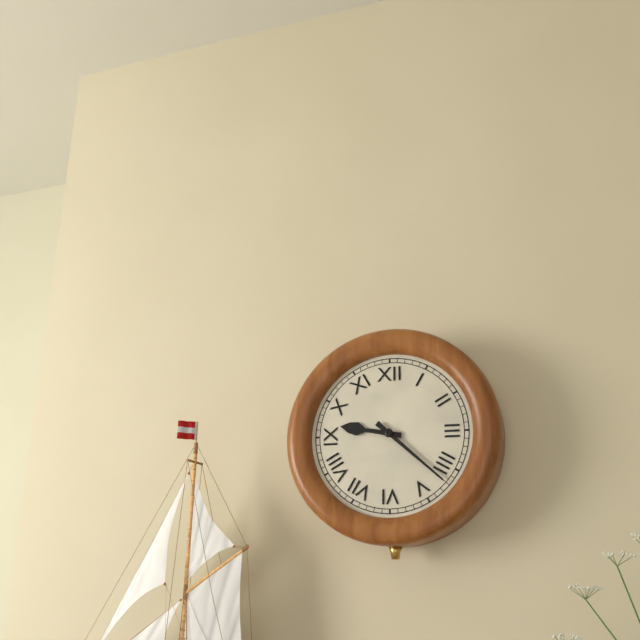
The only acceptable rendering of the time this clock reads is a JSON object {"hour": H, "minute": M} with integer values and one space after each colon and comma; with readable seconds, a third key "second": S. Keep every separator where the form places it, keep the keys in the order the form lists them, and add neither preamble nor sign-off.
{"hour": 9, "minute": 22}
